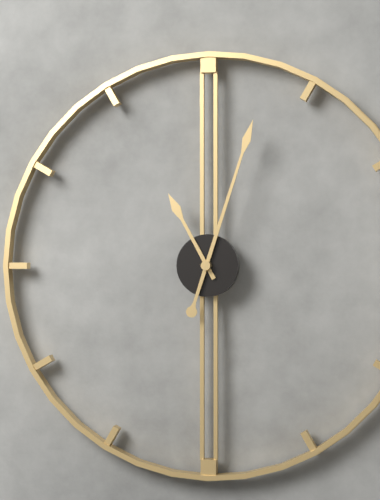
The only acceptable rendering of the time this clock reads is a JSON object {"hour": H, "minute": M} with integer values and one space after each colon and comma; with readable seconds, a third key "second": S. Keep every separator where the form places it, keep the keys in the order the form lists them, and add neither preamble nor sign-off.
{"hour": 11, "minute": 3}
